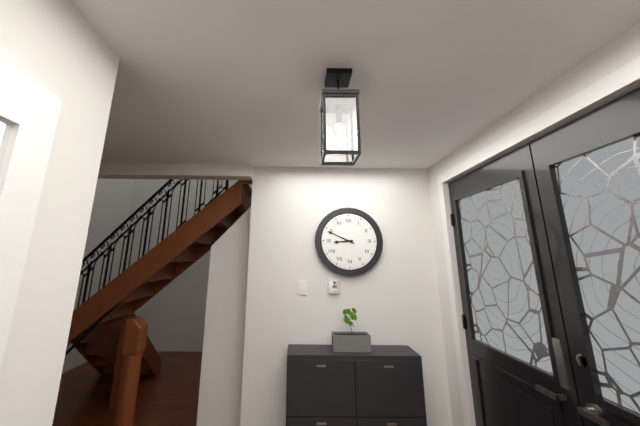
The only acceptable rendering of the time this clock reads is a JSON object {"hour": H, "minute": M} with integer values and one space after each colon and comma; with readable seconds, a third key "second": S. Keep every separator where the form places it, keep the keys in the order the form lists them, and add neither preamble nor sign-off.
{"hour": 8, "minute": 49}
